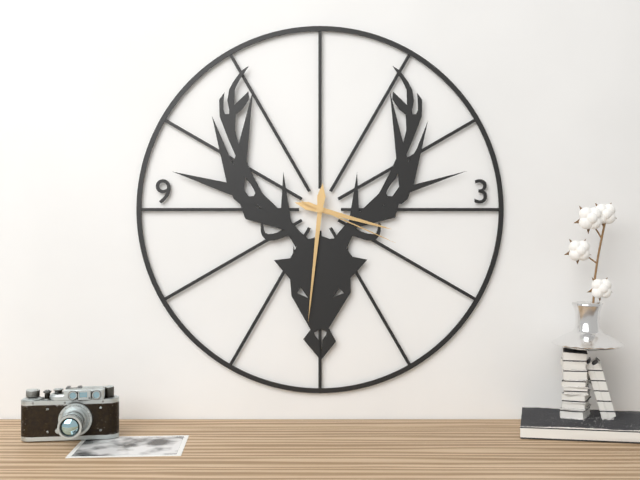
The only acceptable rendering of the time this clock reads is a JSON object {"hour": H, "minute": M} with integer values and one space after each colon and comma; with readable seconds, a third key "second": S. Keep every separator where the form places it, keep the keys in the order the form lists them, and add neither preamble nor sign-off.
{"hour": 3, "minute": 31, "second": 19}
